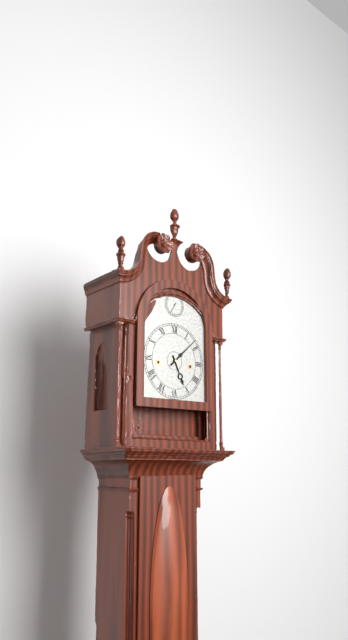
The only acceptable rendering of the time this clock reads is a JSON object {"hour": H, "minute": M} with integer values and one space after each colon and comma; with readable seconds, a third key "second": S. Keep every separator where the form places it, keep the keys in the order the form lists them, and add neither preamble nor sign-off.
{"hour": 5, "minute": 8}
